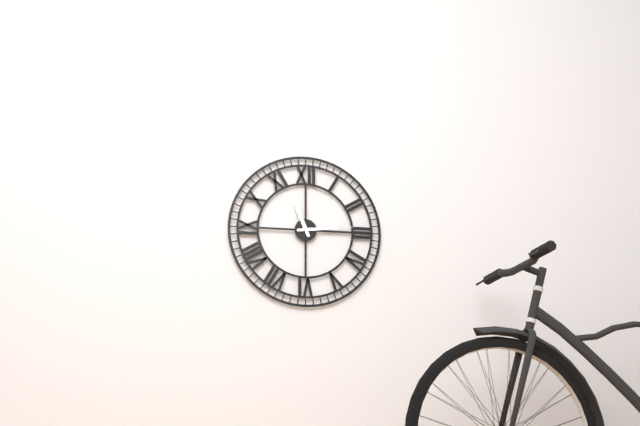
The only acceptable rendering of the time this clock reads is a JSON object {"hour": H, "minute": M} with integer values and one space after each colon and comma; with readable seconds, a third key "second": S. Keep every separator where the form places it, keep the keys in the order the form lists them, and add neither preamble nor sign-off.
{"hour": 11, "minute": 14}
